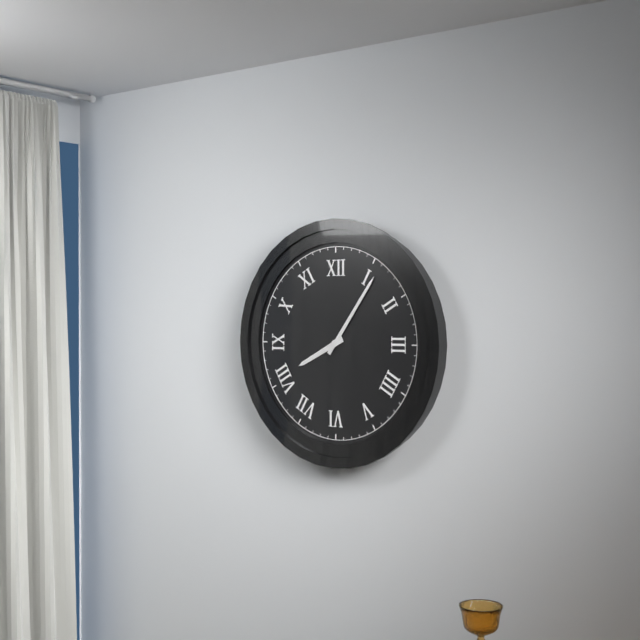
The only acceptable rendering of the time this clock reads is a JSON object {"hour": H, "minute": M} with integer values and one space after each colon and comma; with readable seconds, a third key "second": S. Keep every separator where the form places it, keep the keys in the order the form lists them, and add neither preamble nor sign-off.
{"hour": 8, "minute": 6}
